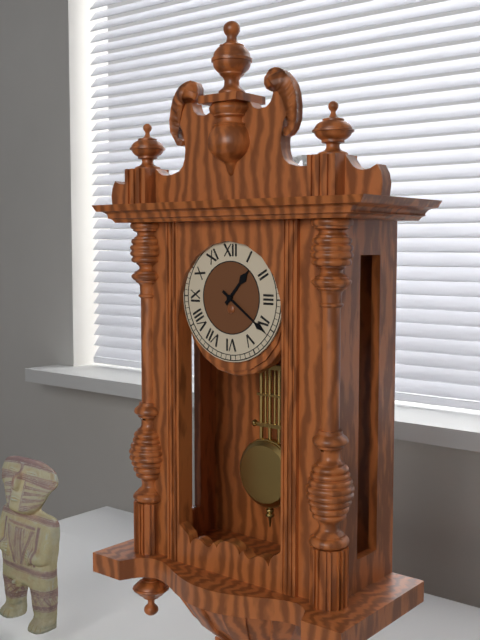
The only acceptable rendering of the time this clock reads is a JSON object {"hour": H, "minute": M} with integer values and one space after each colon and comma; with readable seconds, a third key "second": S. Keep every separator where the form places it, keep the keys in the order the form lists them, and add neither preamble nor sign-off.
{"hour": 1, "minute": 21}
